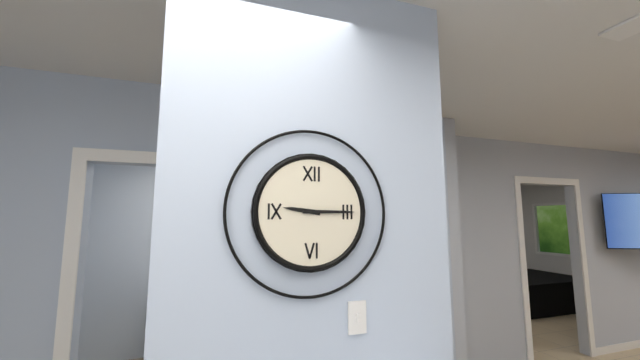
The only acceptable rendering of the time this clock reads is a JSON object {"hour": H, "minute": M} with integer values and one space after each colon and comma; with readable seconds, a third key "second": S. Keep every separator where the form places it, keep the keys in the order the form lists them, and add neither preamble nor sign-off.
{"hour": 9, "minute": 15}
